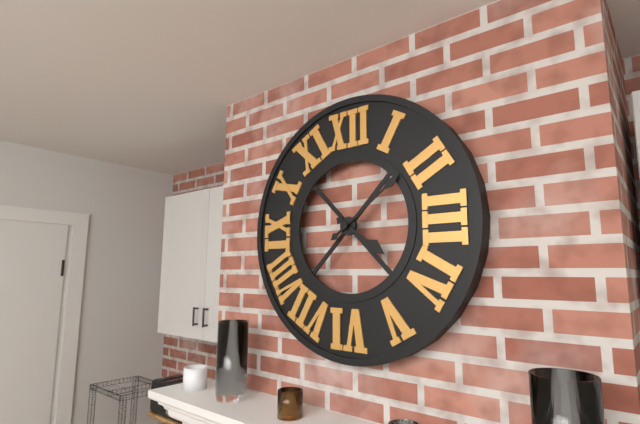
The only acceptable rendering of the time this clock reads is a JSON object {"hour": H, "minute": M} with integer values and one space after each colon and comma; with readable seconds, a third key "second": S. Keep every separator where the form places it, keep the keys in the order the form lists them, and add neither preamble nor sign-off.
{"hour": 4, "minute": 9}
